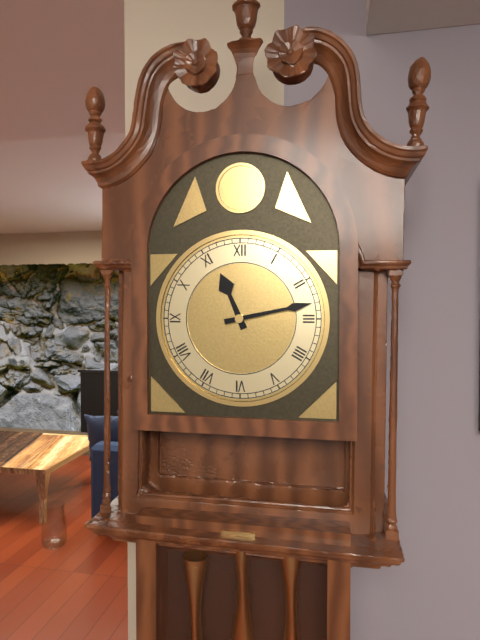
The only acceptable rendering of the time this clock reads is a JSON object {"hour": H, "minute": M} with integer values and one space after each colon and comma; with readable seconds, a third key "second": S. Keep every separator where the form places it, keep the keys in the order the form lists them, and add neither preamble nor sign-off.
{"hour": 11, "minute": 13}
